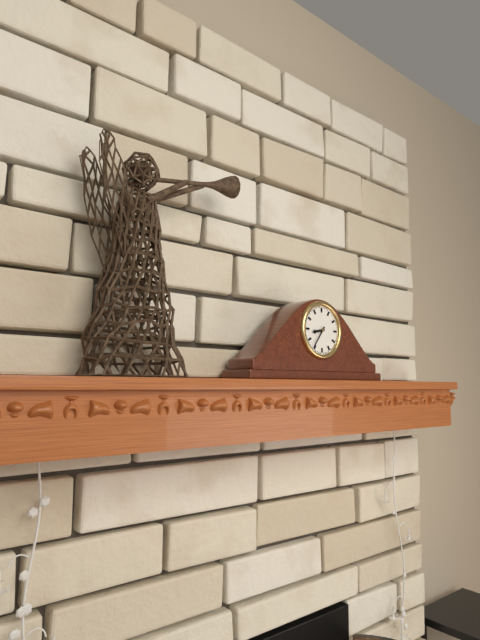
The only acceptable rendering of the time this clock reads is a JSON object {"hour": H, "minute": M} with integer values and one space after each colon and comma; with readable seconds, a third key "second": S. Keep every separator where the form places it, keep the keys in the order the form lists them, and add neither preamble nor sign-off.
{"hour": 8, "minute": 36}
